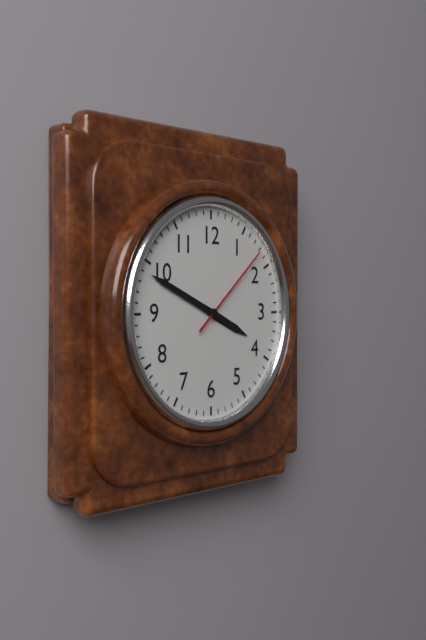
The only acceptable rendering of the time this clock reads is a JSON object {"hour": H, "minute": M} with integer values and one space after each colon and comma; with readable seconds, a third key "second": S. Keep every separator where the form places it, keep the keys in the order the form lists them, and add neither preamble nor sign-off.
{"hour": 3, "minute": 49, "second": 8}
